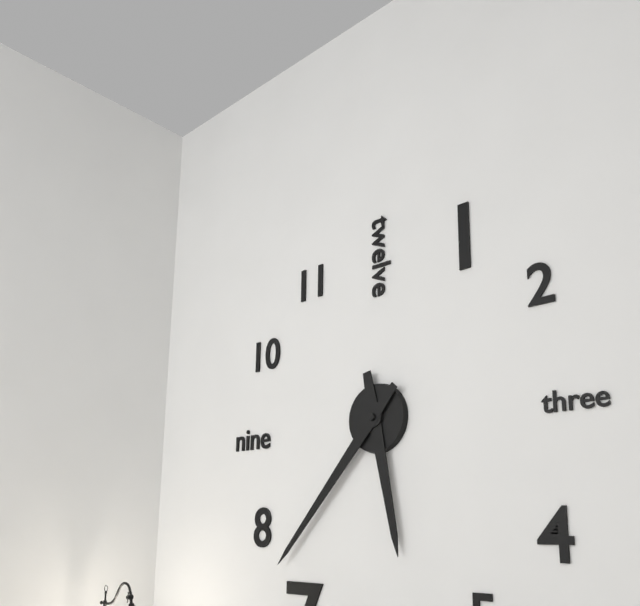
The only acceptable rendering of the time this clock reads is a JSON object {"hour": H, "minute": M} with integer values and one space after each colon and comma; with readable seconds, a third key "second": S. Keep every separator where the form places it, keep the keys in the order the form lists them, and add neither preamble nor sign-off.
{"hour": 5, "minute": 37}
